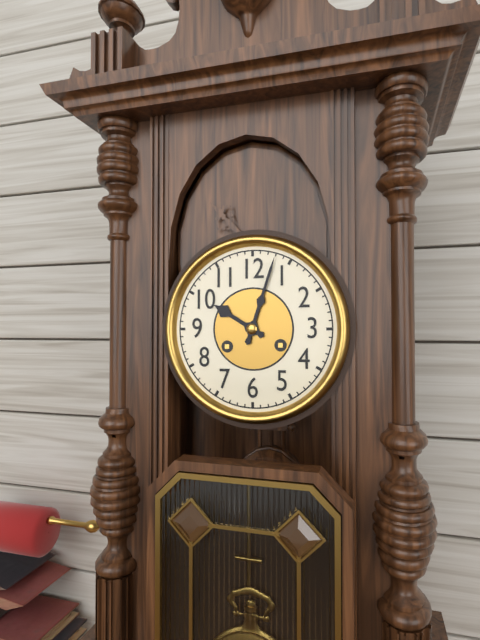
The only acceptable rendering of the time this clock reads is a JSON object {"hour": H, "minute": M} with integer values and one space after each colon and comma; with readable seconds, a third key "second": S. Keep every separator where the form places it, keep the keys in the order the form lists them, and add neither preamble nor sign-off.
{"hour": 10, "minute": 3}
